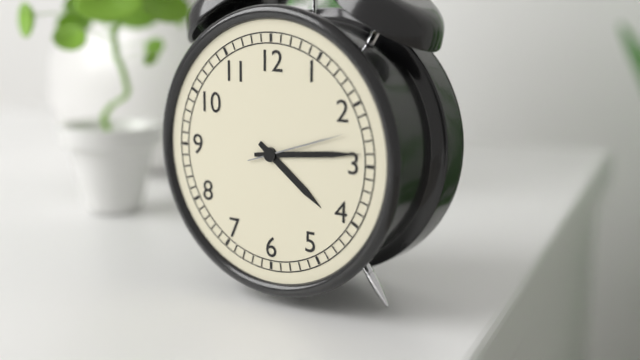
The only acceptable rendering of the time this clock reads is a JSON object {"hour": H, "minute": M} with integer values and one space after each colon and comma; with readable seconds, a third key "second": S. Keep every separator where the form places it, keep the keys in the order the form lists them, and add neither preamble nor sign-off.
{"hour": 4, "minute": 14, "second": 12}
